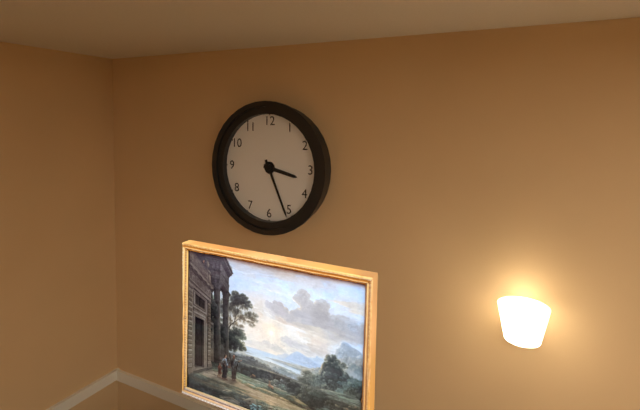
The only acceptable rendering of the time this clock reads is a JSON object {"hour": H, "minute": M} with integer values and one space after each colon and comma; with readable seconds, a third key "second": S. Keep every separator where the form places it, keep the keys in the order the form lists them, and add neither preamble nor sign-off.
{"hour": 3, "minute": 26}
